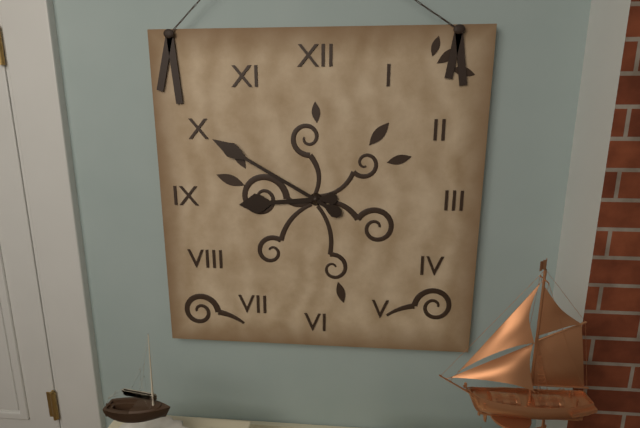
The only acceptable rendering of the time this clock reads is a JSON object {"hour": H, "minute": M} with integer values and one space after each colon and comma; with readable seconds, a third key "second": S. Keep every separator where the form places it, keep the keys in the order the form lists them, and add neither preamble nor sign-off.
{"hour": 8, "minute": 50}
